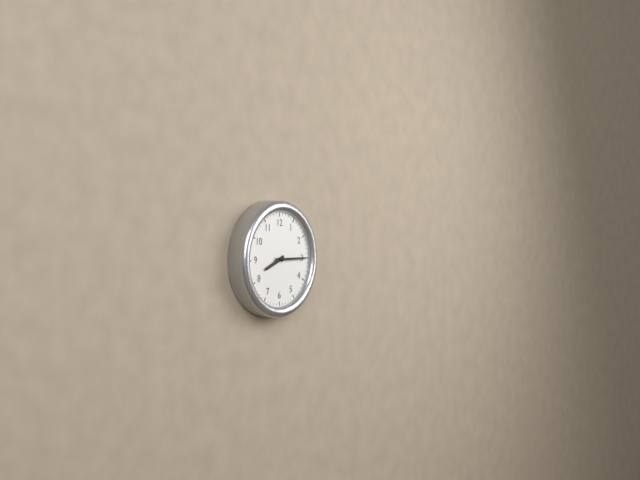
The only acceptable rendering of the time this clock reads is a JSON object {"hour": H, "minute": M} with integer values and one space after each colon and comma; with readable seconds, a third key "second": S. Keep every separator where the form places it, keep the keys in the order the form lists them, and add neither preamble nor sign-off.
{"hour": 8, "minute": 15}
